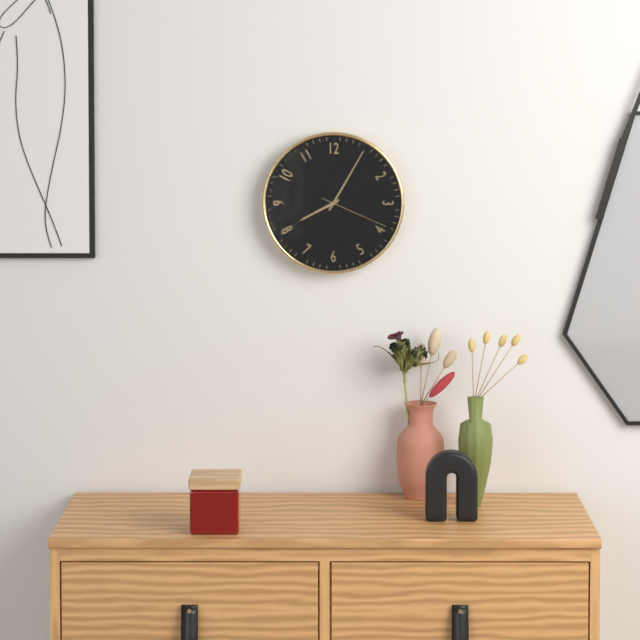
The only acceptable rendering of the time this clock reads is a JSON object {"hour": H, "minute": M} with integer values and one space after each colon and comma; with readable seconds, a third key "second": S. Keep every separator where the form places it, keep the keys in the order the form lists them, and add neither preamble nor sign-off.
{"hour": 8, "minute": 5, "second": 19}
